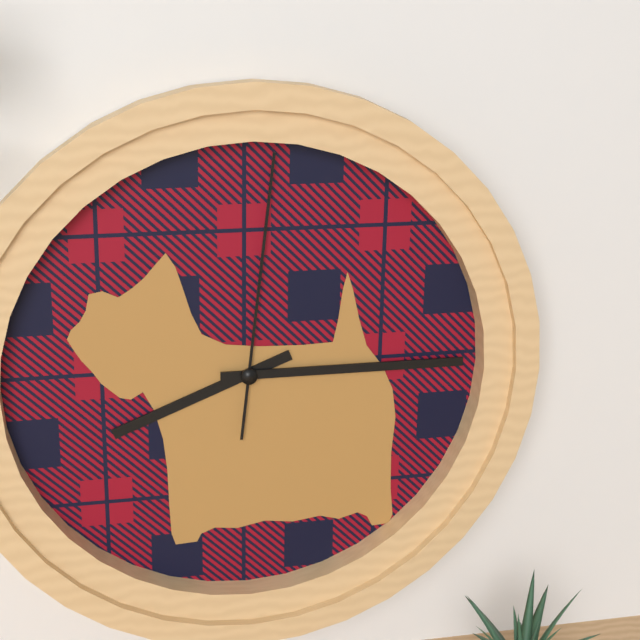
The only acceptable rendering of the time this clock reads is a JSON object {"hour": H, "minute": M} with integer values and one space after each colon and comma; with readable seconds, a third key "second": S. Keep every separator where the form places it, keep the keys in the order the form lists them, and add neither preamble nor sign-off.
{"hour": 8, "minute": 15, "second": 1}
